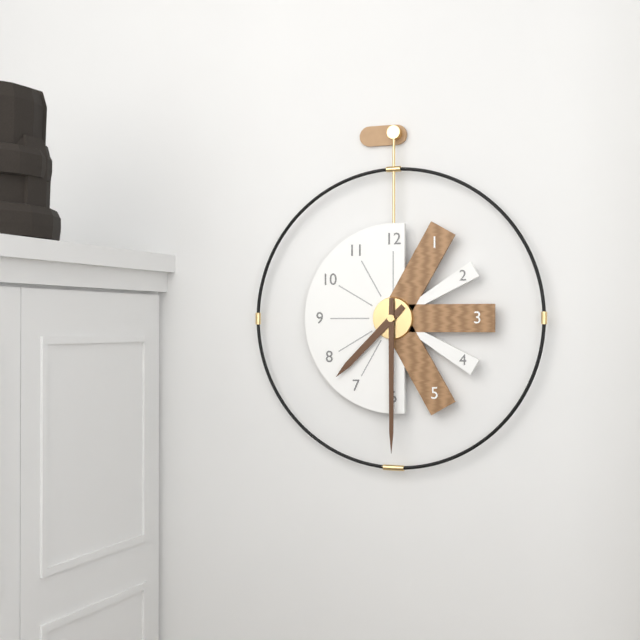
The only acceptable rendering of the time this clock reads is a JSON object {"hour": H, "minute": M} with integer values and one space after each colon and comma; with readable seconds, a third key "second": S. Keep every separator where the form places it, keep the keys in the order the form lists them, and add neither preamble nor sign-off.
{"hour": 7, "minute": 30}
